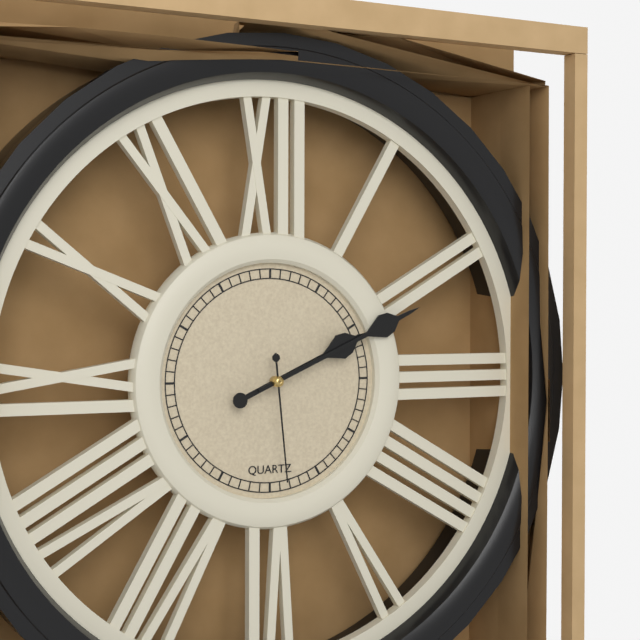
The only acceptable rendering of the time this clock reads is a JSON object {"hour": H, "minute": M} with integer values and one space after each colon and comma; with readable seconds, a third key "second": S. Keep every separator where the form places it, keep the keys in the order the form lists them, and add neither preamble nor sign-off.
{"hour": 2, "minute": 11, "second": 29}
